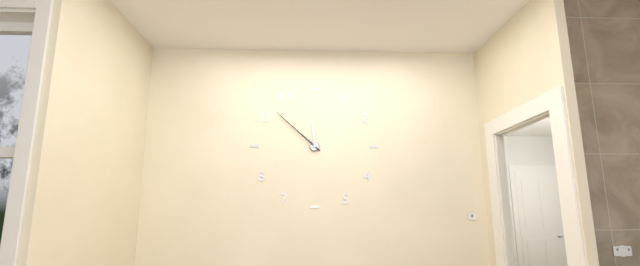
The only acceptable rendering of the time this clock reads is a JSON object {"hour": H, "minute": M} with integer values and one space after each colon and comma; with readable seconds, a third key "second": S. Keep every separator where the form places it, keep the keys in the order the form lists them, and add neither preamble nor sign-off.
{"hour": 11, "minute": 52}
